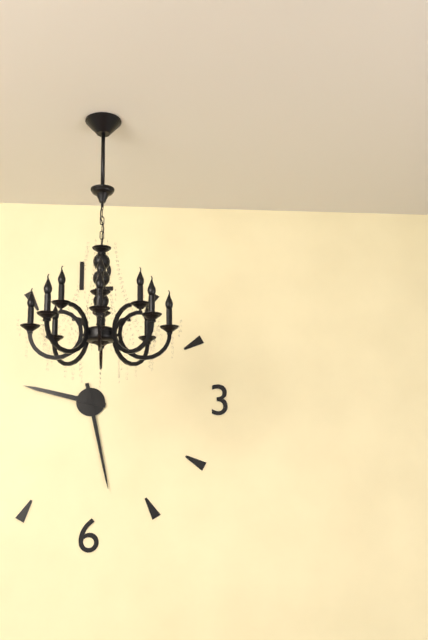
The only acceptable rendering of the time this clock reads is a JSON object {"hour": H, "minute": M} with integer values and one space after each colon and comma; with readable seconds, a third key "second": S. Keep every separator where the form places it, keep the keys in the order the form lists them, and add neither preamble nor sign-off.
{"hour": 9, "minute": 28}
